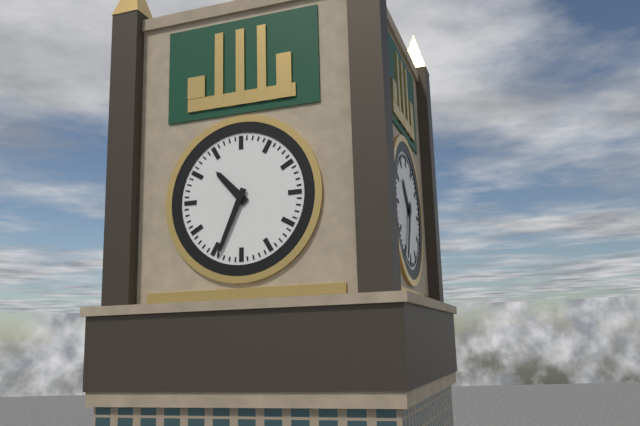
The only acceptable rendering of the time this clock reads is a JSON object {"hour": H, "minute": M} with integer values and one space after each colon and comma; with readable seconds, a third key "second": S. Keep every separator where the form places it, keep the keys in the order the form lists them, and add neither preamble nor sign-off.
{"hour": 10, "minute": 34}
